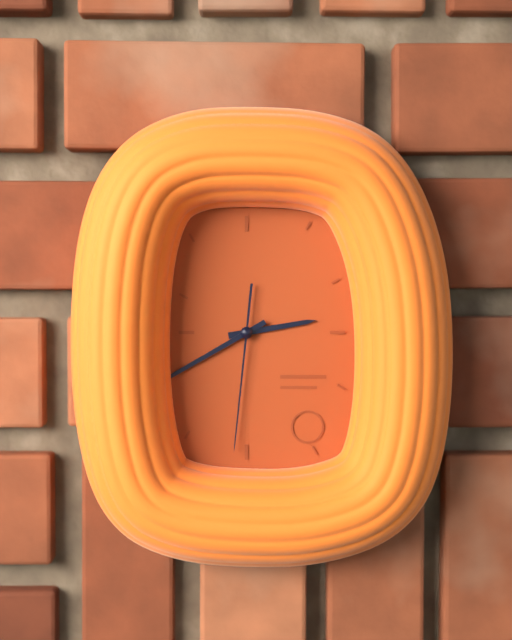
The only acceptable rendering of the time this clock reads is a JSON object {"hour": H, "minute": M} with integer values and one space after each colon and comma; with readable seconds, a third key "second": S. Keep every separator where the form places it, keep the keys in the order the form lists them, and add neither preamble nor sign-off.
{"hour": 2, "minute": 40, "second": 31}
